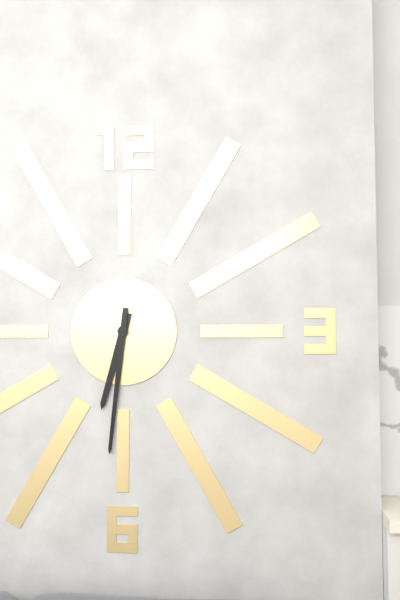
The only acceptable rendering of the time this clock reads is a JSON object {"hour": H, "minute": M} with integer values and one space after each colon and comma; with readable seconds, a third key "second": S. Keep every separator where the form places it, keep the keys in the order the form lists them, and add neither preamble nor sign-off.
{"hour": 6, "minute": 31}
